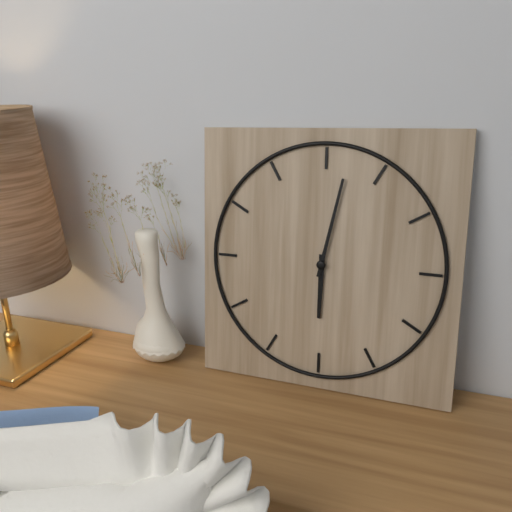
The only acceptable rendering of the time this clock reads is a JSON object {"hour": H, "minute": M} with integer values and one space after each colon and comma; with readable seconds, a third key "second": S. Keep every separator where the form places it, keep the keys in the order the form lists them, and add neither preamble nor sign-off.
{"hour": 6, "minute": 2}
